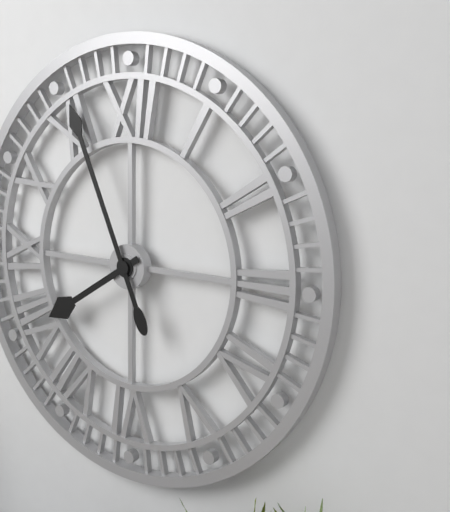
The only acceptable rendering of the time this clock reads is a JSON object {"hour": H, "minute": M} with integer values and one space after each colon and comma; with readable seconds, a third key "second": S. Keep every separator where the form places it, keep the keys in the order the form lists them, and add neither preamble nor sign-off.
{"hour": 7, "minute": 56}
